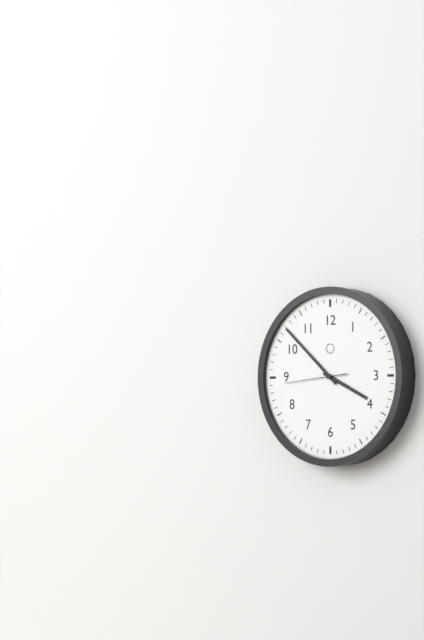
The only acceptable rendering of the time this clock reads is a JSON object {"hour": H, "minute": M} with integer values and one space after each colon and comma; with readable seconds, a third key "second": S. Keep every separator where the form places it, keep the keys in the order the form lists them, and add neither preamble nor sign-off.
{"hour": 3, "minute": 52, "second": 44}
